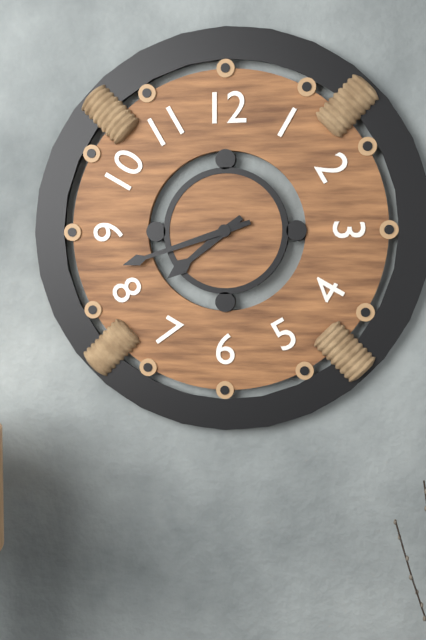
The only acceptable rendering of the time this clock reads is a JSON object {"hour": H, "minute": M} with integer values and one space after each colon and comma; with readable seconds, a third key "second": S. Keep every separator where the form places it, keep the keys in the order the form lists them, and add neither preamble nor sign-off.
{"hour": 7, "minute": 42}
